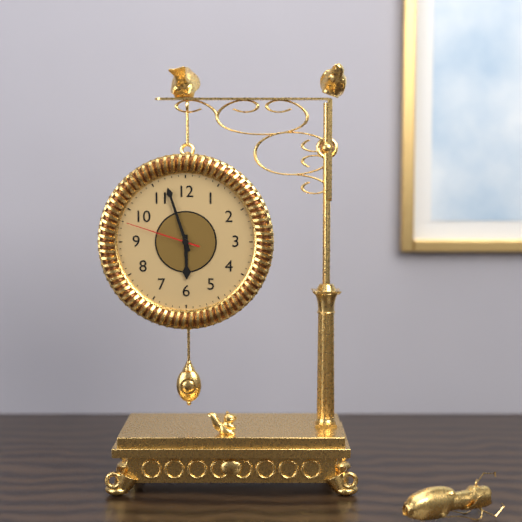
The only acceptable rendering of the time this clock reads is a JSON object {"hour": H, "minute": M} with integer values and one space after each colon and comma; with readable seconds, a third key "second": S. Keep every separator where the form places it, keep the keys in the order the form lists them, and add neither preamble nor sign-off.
{"hour": 5, "minute": 57, "second": 48}
